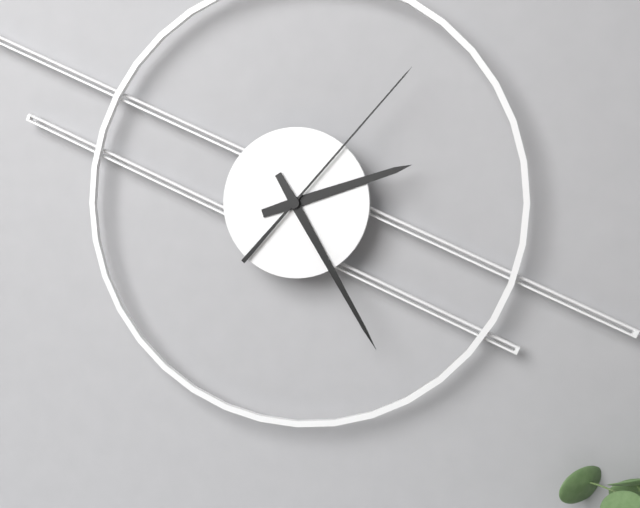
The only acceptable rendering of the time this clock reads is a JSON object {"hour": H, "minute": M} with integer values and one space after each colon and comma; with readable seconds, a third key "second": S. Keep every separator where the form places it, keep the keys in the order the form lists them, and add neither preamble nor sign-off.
{"hour": 2, "minute": 25, "second": 7}
